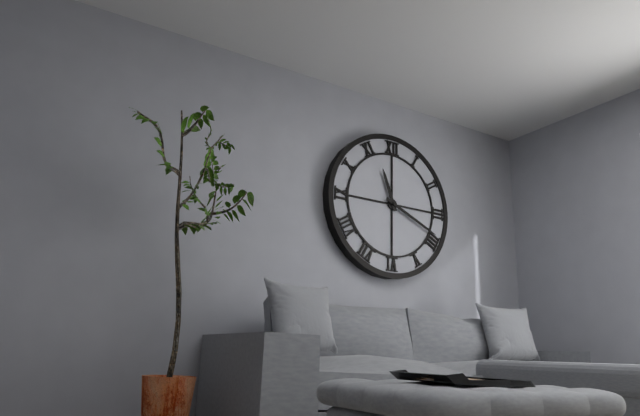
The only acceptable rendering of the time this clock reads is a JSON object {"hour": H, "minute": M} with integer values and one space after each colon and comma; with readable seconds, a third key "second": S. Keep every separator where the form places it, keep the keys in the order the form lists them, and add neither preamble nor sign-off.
{"hour": 11, "minute": 19}
